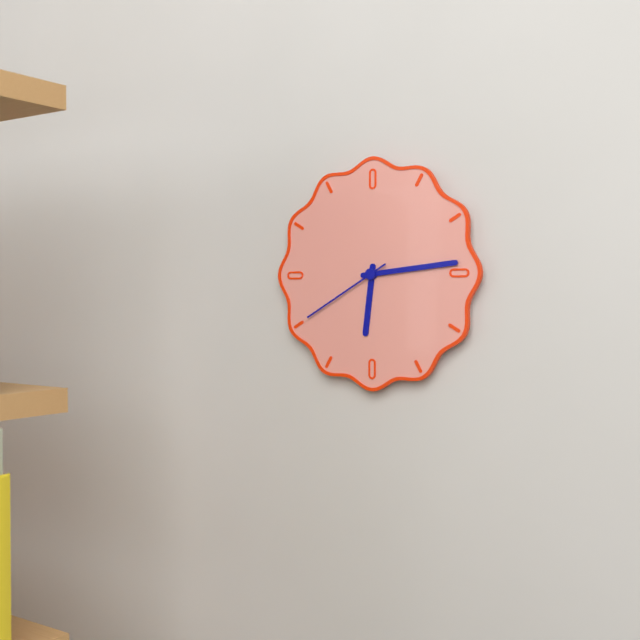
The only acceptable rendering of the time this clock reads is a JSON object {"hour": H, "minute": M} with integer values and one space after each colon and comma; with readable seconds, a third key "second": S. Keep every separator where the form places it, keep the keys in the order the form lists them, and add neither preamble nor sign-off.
{"hour": 6, "minute": 14, "second": 40}
